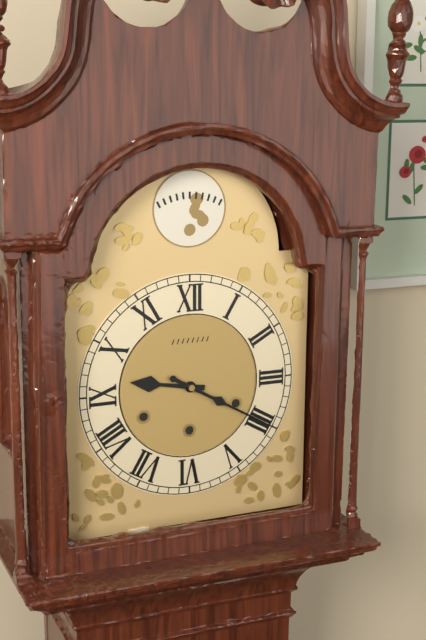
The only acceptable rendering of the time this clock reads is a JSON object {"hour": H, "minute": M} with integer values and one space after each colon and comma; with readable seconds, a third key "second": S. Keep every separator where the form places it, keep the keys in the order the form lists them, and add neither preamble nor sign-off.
{"hour": 9, "minute": 20}
